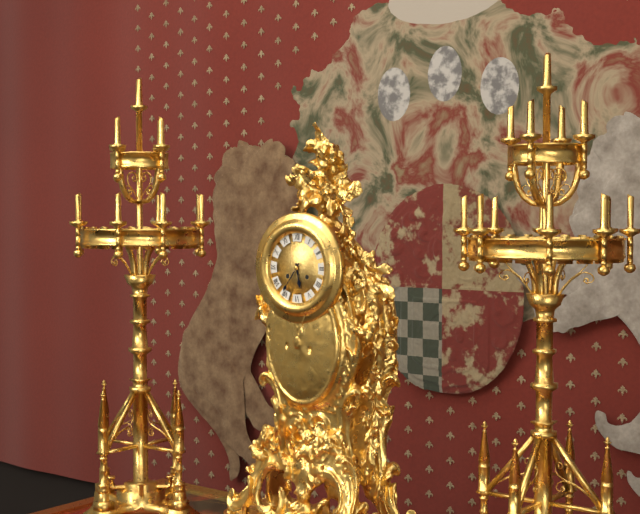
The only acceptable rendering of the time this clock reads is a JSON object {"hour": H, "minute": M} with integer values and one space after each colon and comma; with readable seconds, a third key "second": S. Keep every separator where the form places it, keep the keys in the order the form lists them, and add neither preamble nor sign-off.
{"hour": 5, "minute": 36}
